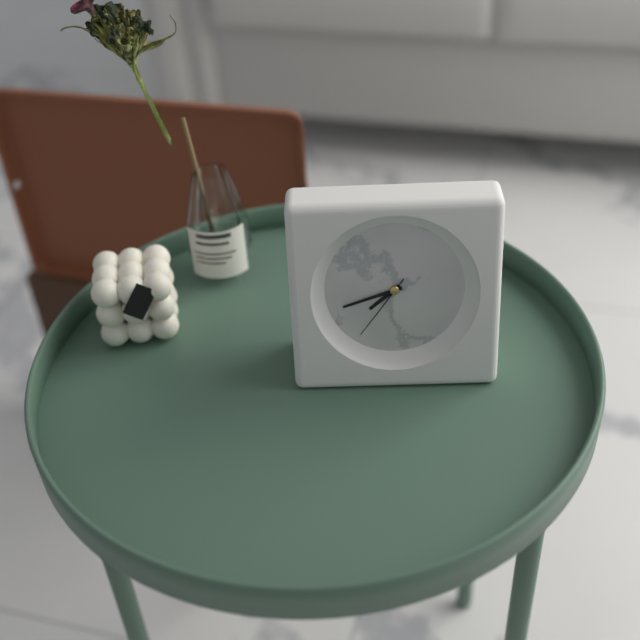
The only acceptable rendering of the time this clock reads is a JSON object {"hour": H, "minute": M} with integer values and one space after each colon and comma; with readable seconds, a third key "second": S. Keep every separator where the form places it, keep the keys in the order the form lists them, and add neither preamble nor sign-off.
{"hour": 7, "minute": 42, "second": 36}
